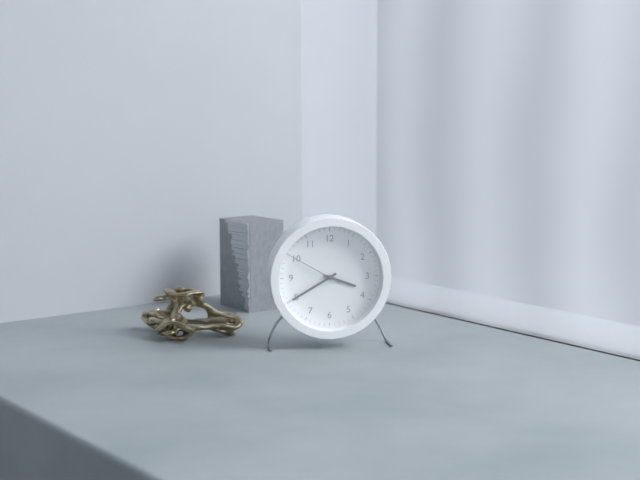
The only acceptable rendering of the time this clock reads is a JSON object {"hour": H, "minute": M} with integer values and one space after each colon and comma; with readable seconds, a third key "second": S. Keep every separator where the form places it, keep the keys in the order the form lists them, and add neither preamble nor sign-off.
{"hour": 3, "minute": 40, "second": 50}
